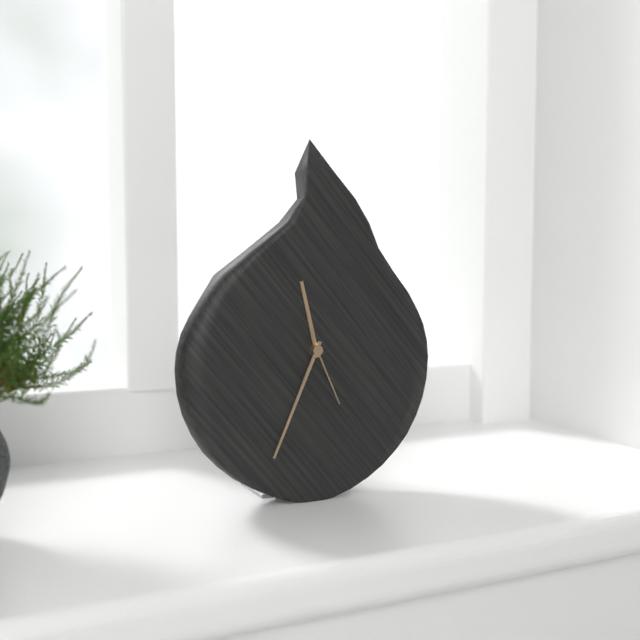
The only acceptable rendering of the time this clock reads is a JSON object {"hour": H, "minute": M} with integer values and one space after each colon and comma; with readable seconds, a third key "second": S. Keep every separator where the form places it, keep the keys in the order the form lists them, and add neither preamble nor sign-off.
{"hour": 11, "minute": 34, "second": 26}
